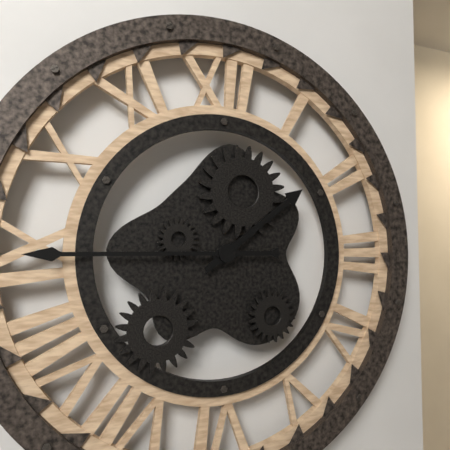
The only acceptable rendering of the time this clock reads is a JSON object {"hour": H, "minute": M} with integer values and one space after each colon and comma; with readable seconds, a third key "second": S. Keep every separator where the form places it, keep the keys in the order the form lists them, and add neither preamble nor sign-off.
{"hour": 1, "minute": 45}
